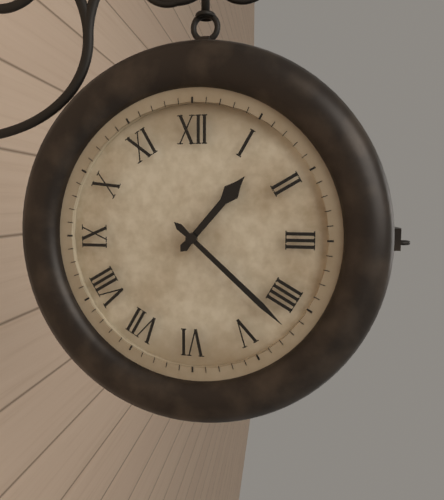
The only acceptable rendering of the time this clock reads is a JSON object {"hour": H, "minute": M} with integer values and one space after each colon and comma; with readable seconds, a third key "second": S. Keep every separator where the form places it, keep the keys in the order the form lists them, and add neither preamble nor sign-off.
{"hour": 1, "minute": 22}
